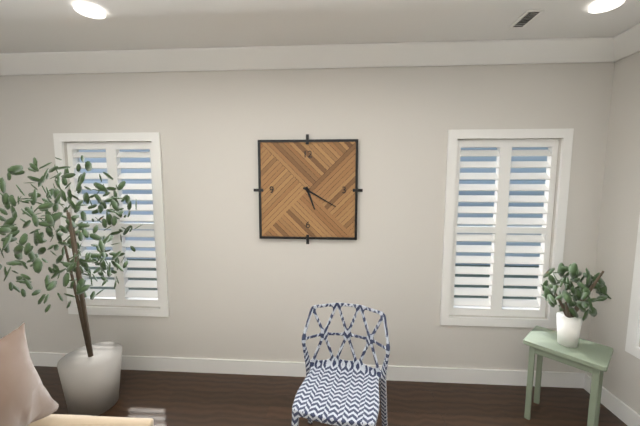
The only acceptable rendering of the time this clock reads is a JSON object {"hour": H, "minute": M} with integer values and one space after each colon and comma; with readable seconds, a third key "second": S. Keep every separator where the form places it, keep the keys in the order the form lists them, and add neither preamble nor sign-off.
{"hour": 5, "minute": 20}
